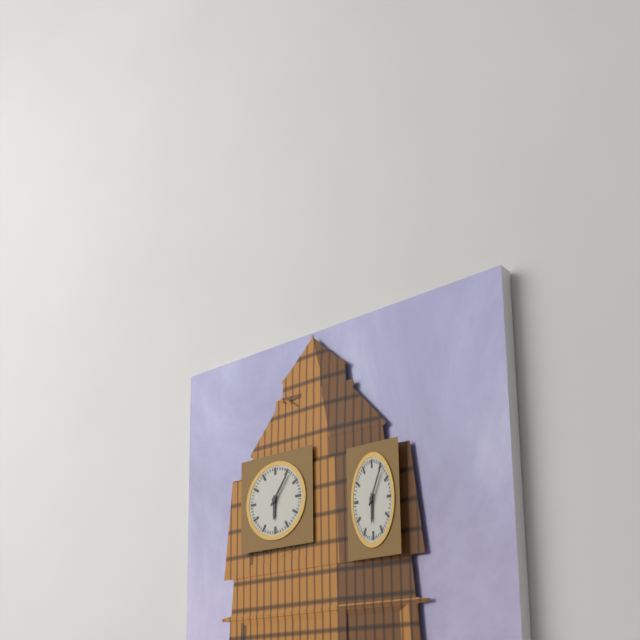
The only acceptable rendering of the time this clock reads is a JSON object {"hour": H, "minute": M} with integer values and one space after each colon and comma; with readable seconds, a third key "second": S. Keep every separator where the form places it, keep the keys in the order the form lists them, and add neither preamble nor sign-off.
{"hour": 6, "minute": 6}
